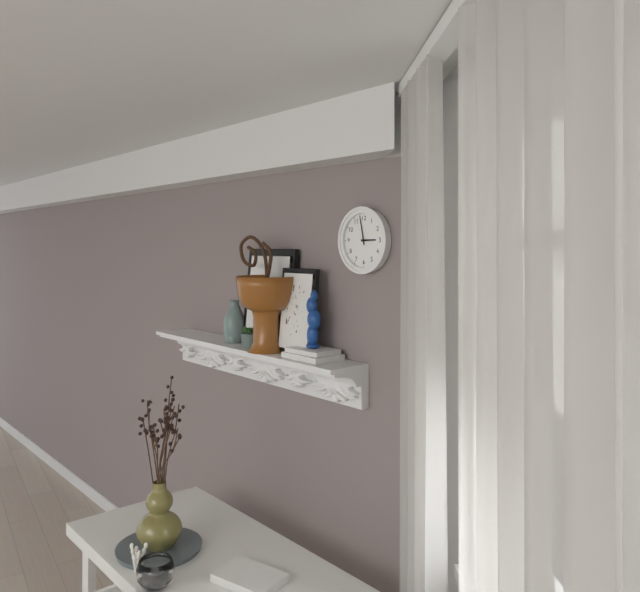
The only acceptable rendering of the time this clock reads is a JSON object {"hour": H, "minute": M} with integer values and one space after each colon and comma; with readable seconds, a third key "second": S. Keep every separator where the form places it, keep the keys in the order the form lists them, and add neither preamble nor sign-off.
{"hour": 2, "minute": 58}
